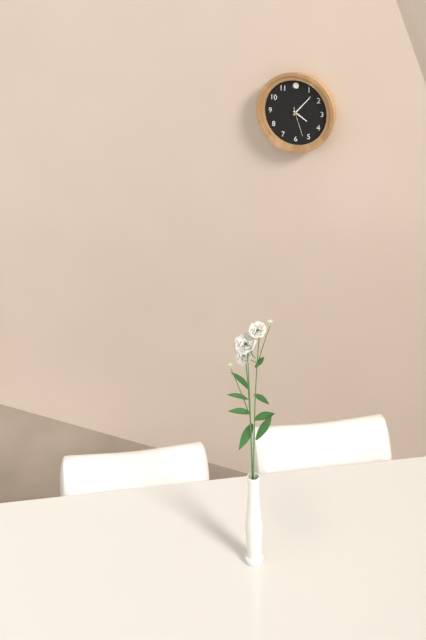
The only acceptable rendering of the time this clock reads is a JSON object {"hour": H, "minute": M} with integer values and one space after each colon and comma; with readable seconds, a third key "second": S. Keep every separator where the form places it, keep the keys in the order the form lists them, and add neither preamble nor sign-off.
{"hour": 4, "minute": 7}
